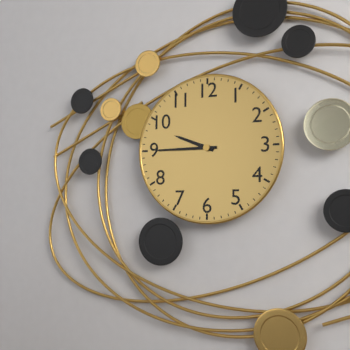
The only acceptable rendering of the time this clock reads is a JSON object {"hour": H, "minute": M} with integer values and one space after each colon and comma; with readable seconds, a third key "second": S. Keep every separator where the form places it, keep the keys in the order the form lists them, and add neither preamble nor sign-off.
{"hour": 9, "minute": 45}
